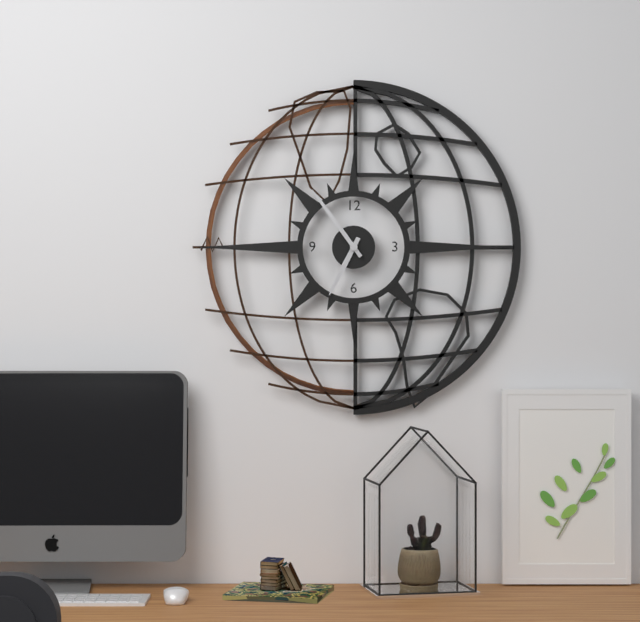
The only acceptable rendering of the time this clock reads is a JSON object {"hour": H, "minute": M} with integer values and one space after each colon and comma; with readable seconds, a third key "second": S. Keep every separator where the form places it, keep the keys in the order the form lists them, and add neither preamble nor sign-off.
{"hour": 6, "minute": 54}
